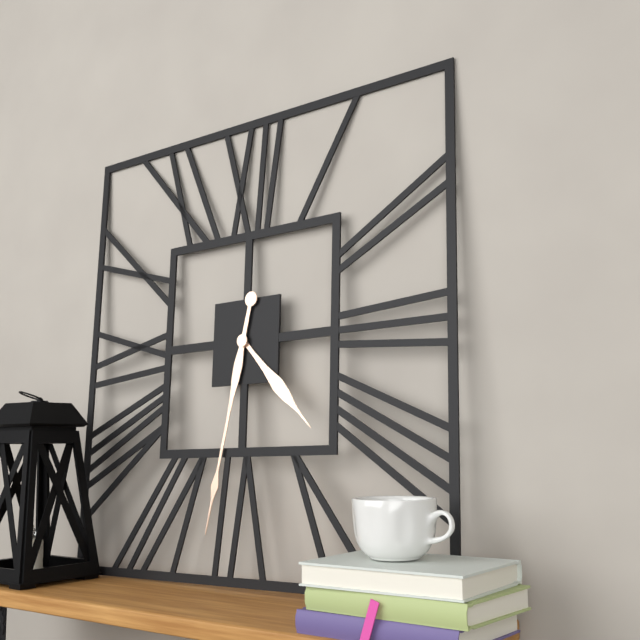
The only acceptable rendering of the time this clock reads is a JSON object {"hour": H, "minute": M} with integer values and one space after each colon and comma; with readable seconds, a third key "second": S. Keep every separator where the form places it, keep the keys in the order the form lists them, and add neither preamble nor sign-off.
{"hour": 4, "minute": 32}
